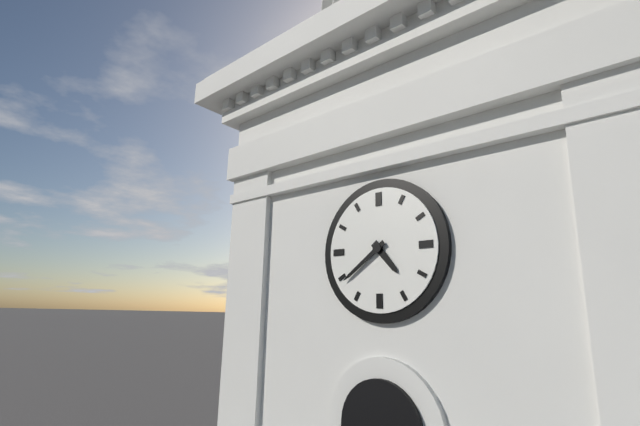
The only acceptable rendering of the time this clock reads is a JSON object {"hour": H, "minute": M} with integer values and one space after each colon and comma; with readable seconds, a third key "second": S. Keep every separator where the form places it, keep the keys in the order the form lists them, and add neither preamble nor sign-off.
{"hour": 4, "minute": 39}
